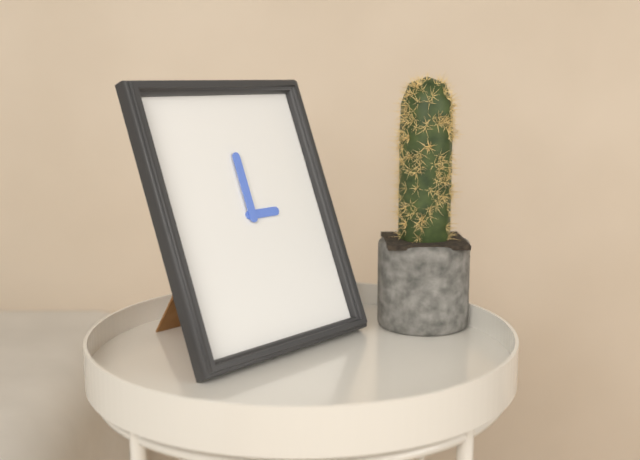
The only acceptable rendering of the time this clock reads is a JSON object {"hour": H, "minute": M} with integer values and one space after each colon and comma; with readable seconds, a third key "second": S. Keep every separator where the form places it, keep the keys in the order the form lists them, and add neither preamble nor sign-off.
{"hour": 3, "minute": 0}
